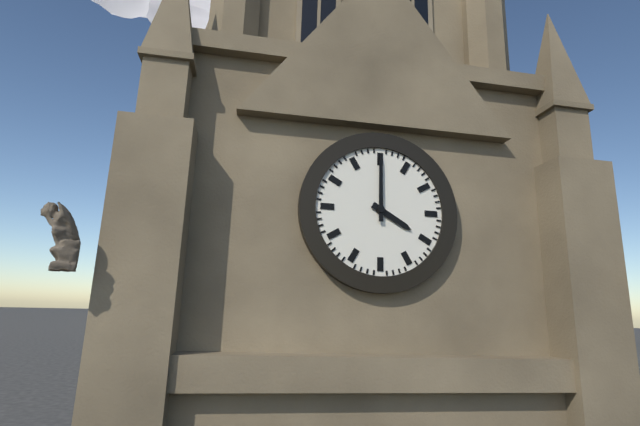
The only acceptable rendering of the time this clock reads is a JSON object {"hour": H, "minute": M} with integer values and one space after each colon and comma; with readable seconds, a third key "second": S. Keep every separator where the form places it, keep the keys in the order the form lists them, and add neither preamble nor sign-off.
{"hour": 4, "minute": 0}
